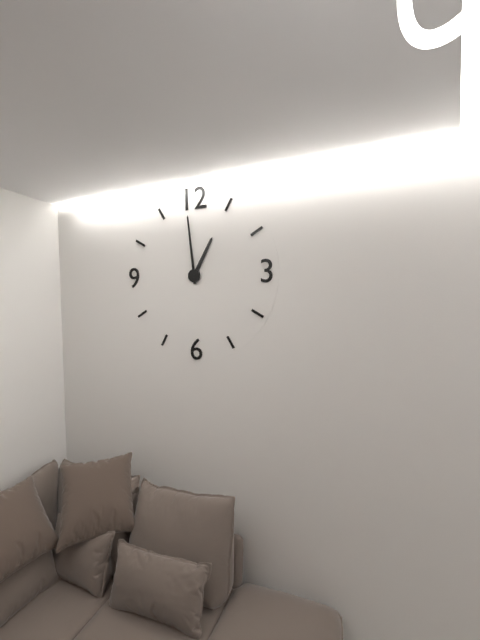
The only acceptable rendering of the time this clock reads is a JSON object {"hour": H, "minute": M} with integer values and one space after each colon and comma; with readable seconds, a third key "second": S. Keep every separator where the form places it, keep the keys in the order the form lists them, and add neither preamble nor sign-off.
{"hour": 12, "minute": 59}
